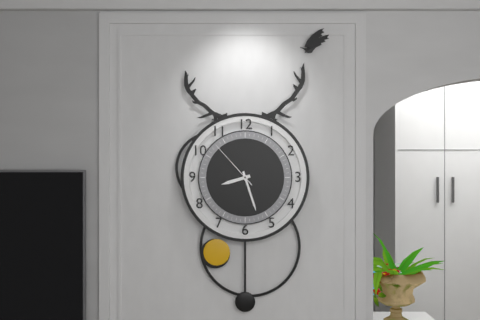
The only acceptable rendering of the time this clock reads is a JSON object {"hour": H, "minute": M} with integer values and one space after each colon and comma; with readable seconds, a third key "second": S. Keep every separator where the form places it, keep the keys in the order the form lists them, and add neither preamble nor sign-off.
{"hour": 8, "minute": 27, "second": 53}
